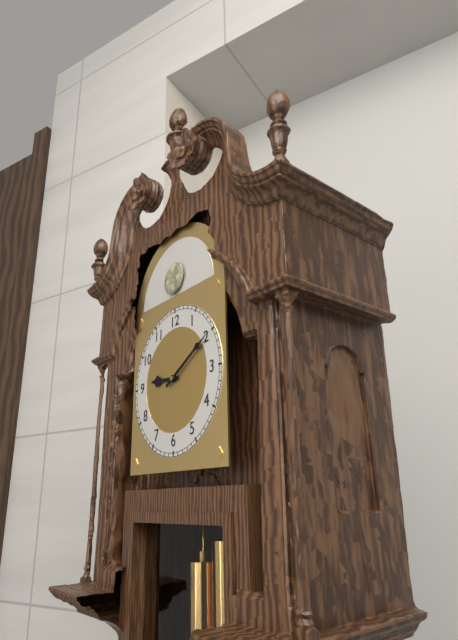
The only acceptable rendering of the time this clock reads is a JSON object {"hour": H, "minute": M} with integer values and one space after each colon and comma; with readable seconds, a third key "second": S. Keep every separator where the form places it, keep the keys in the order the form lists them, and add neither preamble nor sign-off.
{"hour": 9, "minute": 10}
